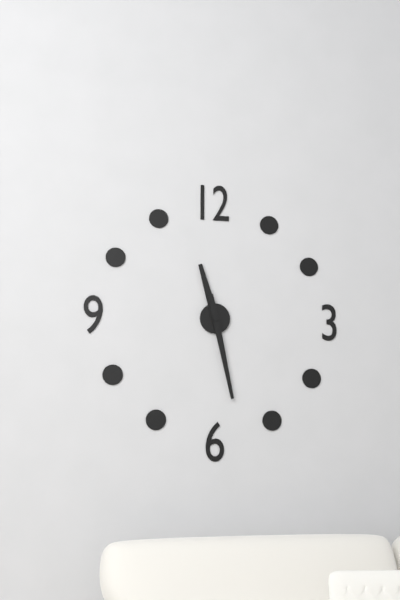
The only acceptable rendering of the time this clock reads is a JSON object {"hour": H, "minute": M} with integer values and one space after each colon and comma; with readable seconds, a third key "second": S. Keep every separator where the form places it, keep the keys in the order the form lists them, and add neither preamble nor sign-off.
{"hour": 11, "minute": 28}
